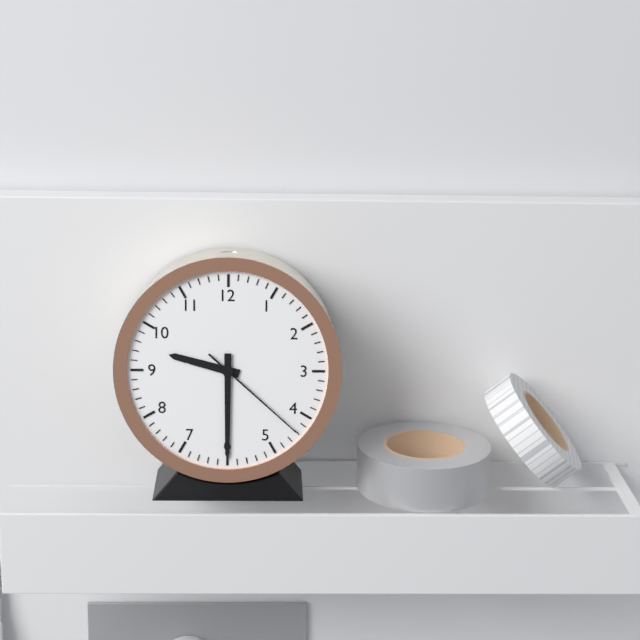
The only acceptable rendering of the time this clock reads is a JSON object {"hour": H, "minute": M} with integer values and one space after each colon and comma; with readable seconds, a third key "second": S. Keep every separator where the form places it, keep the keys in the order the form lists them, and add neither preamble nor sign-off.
{"hour": 9, "minute": 30, "second": 22}
